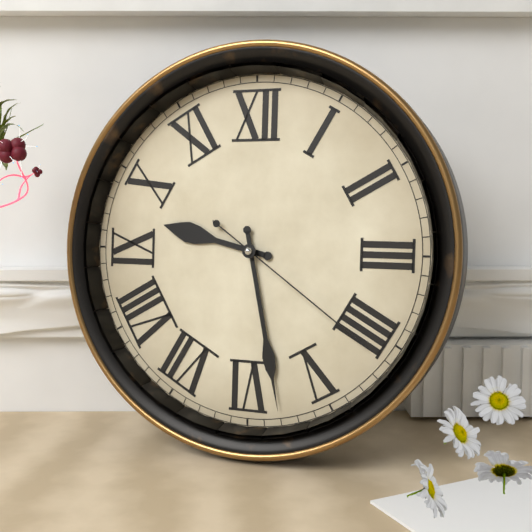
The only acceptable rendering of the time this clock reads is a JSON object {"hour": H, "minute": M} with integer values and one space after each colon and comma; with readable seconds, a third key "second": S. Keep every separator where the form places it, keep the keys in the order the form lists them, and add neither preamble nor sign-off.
{"hour": 9, "minute": 28, "second": 21}
